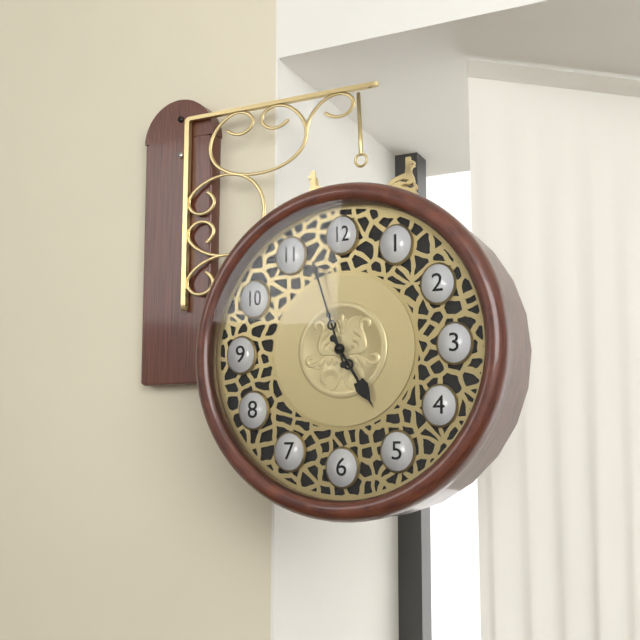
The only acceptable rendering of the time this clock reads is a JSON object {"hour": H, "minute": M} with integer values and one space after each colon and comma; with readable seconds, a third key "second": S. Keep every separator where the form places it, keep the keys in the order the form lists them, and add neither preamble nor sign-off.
{"hour": 4, "minute": 57}
